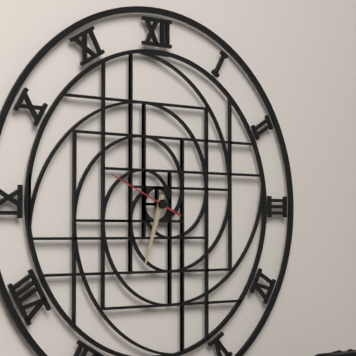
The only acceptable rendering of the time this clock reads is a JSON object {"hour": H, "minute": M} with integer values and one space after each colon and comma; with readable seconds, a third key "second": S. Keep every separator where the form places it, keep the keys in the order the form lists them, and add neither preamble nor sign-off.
{"hour": 6, "minute": 33, "second": 49}
